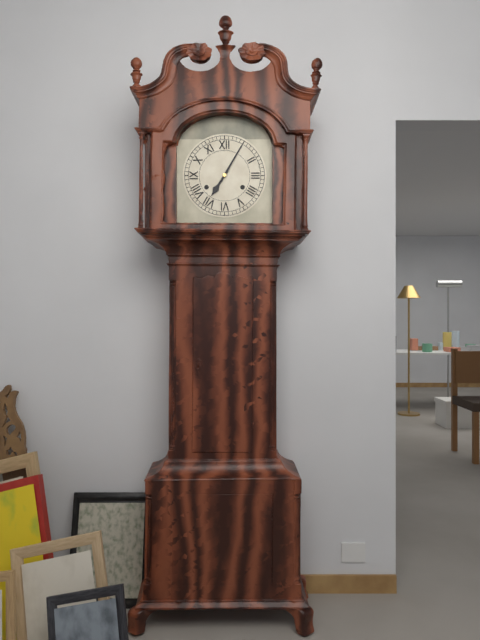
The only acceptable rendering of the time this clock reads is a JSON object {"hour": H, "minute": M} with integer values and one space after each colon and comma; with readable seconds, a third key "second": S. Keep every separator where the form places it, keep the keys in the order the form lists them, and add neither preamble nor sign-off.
{"hour": 7, "minute": 5}
